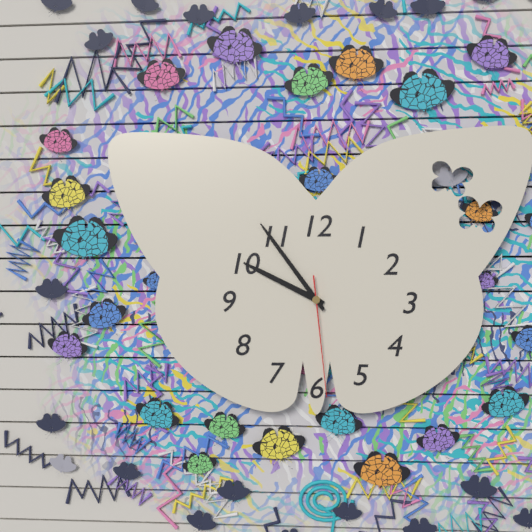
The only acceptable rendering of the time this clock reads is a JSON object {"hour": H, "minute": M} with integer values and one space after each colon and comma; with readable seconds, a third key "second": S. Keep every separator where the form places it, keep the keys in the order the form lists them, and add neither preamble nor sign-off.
{"hour": 9, "minute": 54, "second": 29}
